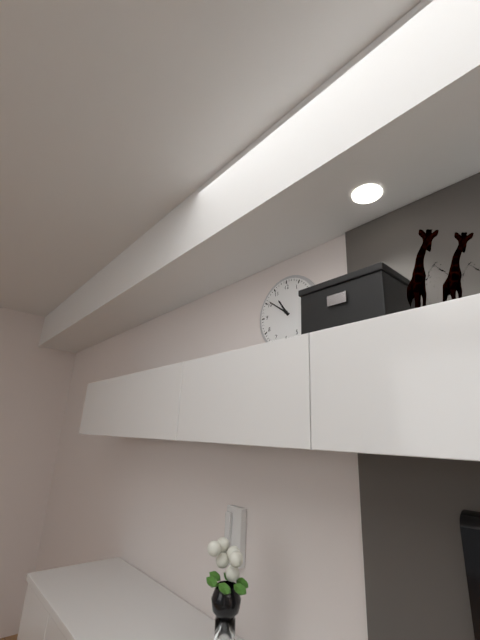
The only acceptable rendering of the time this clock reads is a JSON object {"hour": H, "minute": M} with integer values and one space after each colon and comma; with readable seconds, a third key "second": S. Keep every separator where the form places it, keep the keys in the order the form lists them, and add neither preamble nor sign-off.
{"hour": 10, "minute": 51}
